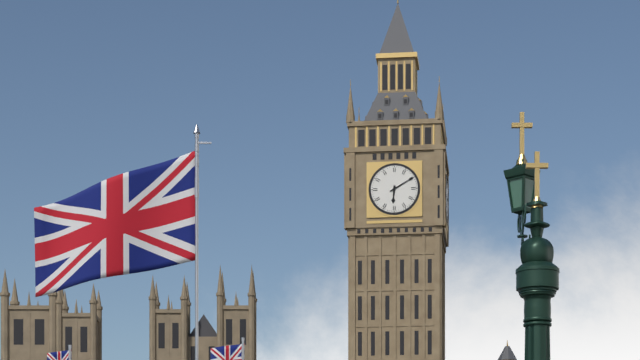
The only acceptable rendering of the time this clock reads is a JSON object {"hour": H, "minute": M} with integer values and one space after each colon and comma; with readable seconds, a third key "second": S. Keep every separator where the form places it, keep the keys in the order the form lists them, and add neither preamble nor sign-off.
{"hour": 6, "minute": 10}
